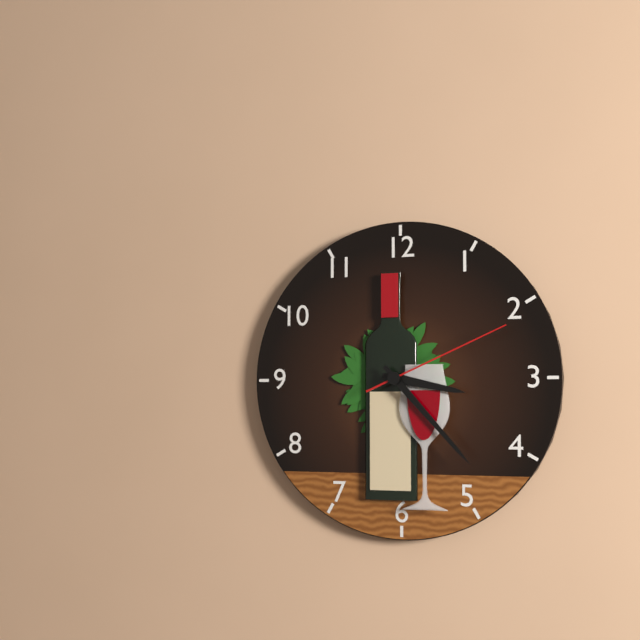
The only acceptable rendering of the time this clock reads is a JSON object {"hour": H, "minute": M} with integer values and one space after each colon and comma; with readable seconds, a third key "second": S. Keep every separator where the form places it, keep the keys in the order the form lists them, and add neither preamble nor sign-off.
{"hour": 3, "minute": 23, "second": 11}
